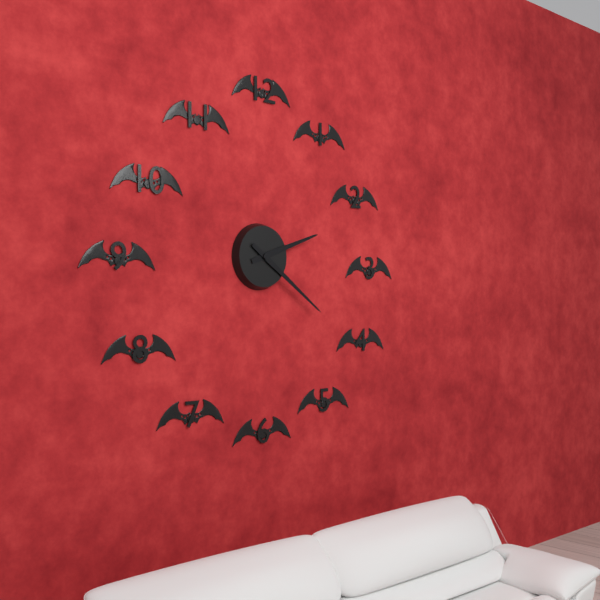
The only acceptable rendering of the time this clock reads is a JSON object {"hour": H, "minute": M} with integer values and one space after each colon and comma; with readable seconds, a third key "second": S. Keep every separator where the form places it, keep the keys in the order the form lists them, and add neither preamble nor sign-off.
{"hour": 2, "minute": 21}
